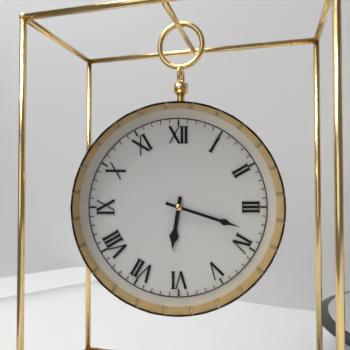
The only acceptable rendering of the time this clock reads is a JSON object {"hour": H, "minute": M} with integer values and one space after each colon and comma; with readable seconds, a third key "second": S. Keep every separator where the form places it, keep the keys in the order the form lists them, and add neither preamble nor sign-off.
{"hour": 6, "minute": 18}
